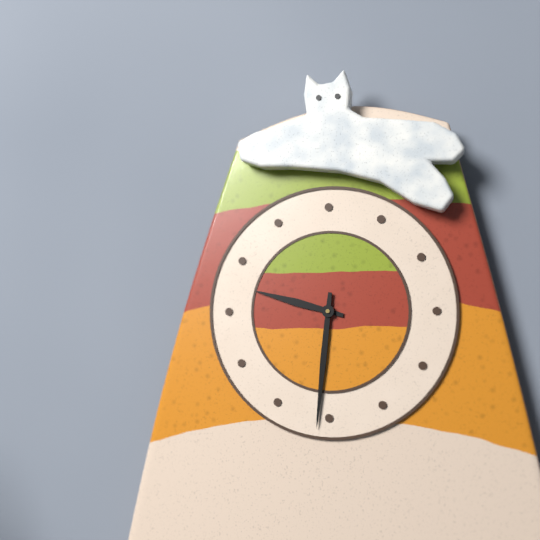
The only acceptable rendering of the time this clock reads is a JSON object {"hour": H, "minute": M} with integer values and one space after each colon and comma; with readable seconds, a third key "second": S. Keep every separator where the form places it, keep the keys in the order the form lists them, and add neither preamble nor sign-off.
{"hour": 9, "minute": 31}
